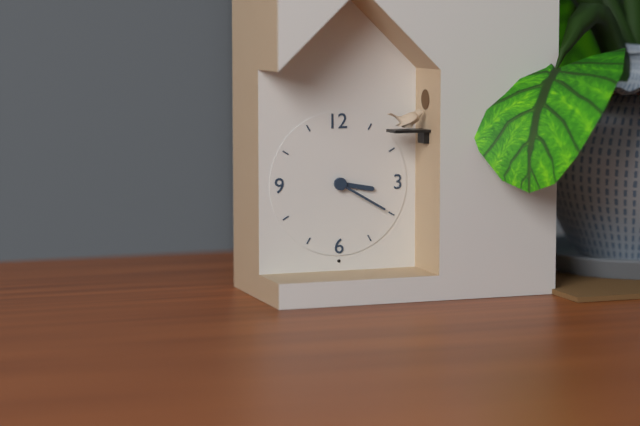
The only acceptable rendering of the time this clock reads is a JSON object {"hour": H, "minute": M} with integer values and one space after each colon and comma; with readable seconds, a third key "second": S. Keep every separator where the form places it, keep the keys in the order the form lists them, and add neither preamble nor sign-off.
{"hour": 3, "minute": 20}
